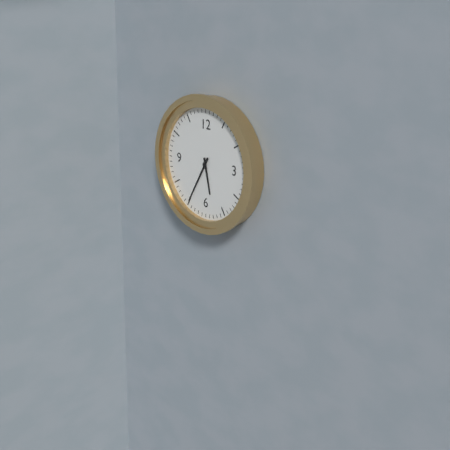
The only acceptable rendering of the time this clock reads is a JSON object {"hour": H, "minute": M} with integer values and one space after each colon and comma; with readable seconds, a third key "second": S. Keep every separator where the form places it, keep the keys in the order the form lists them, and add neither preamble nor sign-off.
{"hour": 5, "minute": 35}
